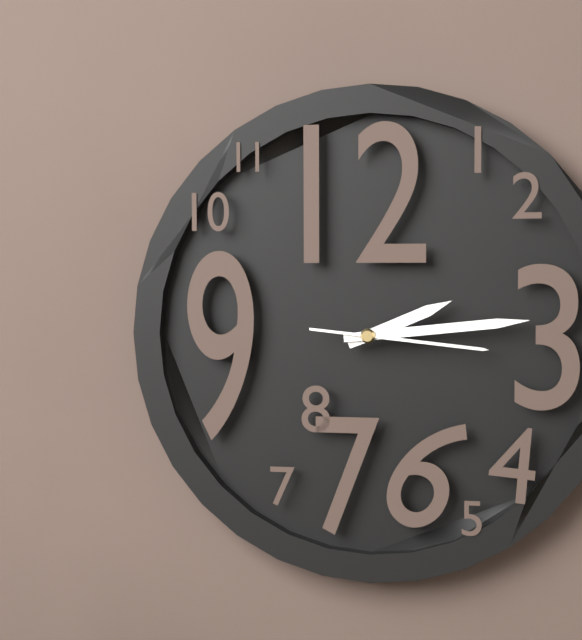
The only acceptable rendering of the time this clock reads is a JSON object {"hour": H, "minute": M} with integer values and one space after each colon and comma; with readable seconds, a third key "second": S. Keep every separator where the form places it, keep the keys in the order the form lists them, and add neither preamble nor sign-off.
{"hour": 2, "minute": 14, "second": 16}
